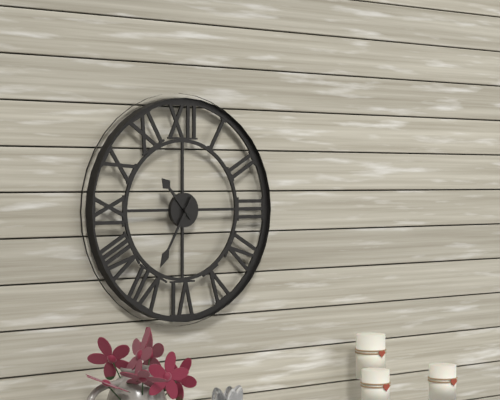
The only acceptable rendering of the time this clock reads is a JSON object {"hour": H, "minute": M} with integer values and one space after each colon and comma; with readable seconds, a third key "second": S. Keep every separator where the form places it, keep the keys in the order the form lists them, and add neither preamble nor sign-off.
{"hour": 10, "minute": 35}
